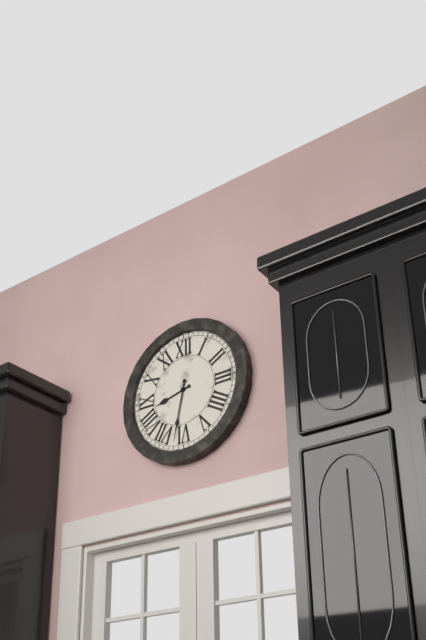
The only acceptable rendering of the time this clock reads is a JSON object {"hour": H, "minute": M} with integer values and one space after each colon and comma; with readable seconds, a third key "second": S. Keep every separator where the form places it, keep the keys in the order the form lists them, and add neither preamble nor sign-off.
{"hour": 8, "minute": 32}
